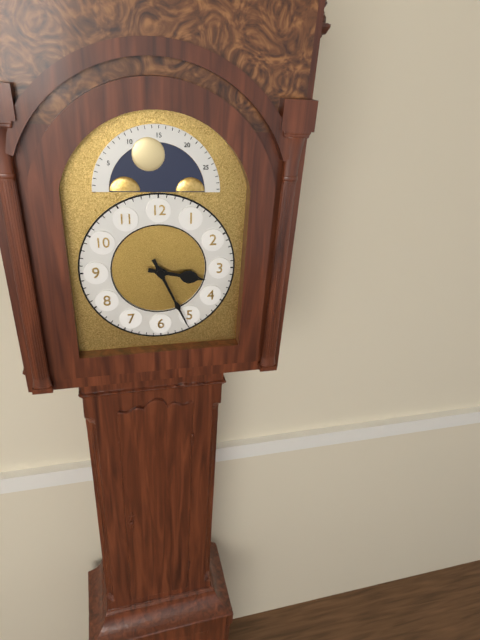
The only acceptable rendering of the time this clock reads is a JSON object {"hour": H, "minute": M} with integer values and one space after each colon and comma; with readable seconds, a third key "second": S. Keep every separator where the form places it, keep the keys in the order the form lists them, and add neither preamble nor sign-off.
{"hour": 3, "minute": 26}
